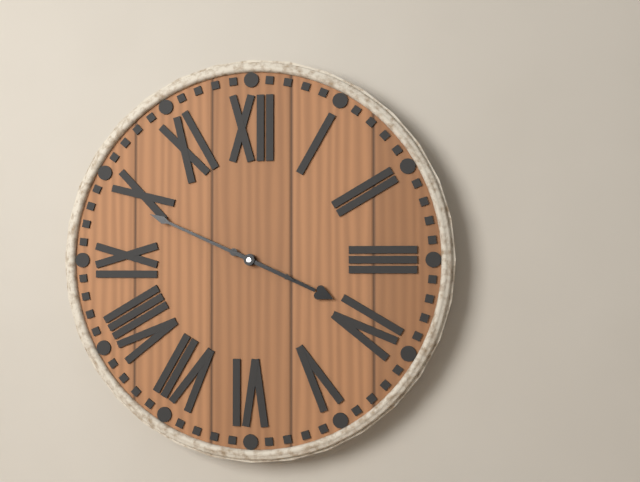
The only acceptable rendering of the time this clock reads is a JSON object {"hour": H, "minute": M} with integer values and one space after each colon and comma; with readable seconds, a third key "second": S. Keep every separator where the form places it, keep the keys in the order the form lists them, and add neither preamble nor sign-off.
{"hour": 3, "minute": 49}
